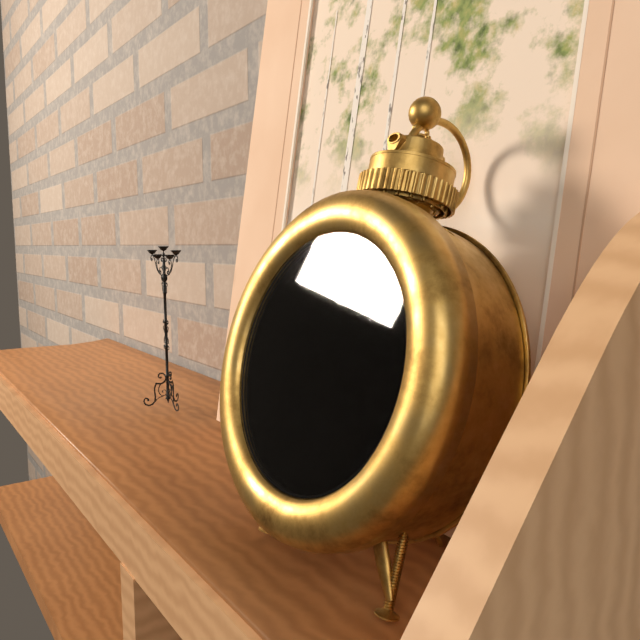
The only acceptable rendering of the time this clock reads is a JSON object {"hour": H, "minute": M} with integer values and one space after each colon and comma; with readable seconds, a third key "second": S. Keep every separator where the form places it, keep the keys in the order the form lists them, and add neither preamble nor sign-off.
{"hour": 7, "minute": 9, "second": 44}
